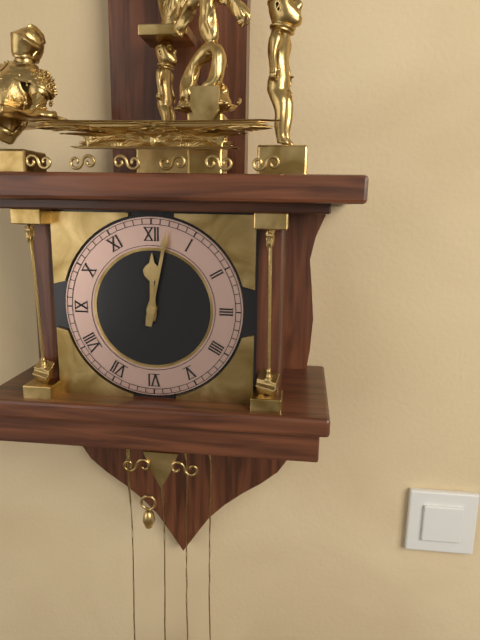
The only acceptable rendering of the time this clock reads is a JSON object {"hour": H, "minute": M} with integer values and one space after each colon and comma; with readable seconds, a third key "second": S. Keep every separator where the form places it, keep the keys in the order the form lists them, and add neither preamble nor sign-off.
{"hour": 12, "minute": 2}
